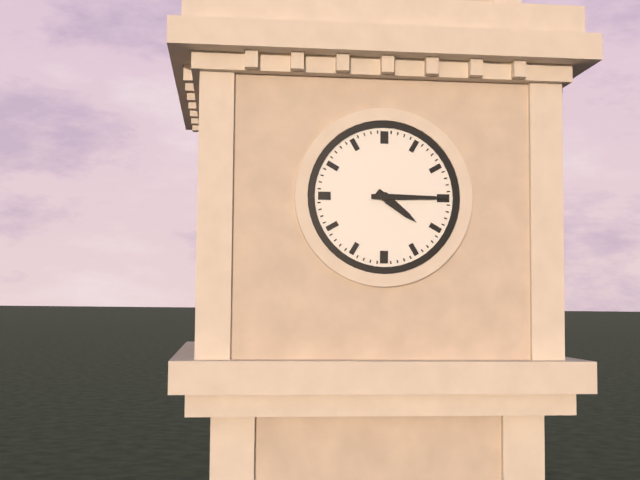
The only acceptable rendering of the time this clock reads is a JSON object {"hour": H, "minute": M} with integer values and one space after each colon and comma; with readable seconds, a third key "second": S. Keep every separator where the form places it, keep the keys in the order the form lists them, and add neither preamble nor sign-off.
{"hour": 4, "minute": 15}
